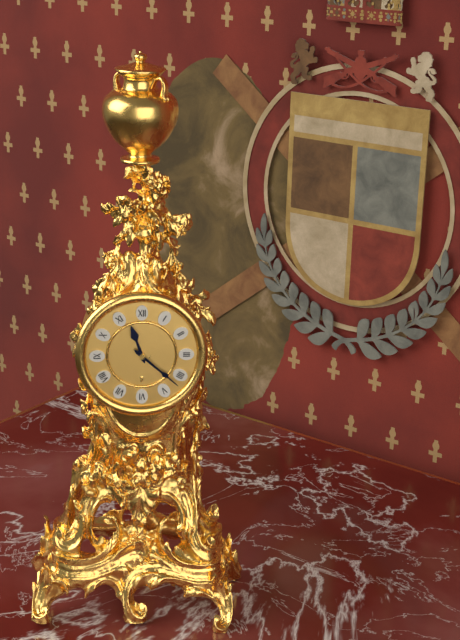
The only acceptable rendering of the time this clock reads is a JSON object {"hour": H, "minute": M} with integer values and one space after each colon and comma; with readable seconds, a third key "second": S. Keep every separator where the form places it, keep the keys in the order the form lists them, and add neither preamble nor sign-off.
{"hour": 11, "minute": 22}
